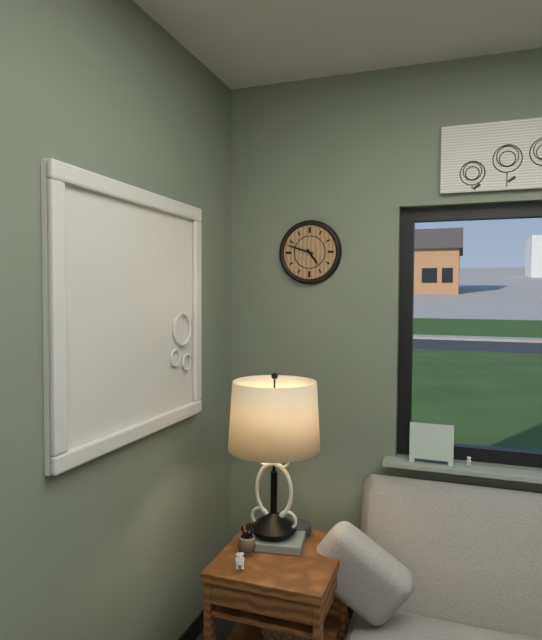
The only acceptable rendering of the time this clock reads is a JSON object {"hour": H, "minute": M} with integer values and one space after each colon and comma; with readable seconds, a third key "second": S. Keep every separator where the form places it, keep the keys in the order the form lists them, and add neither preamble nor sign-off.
{"hour": 4, "minute": 48}
